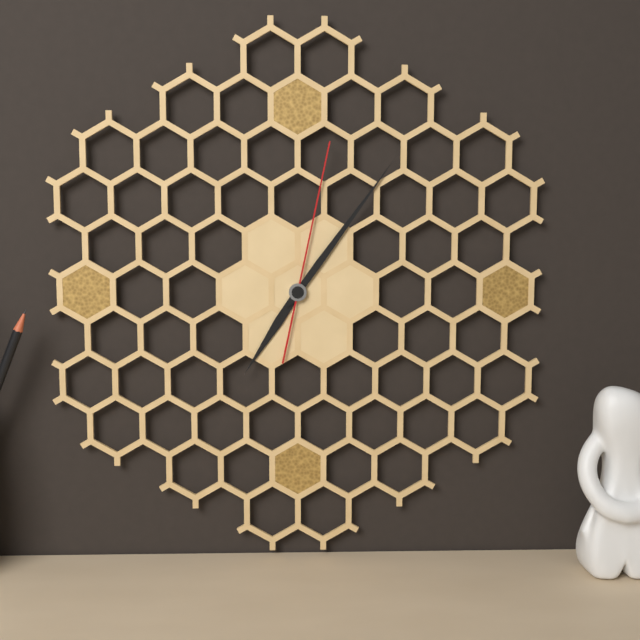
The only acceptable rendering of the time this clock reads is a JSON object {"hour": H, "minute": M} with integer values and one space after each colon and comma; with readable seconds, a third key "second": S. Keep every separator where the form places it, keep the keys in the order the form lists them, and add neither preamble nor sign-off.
{"hour": 7, "minute": 6, "second": 2}
